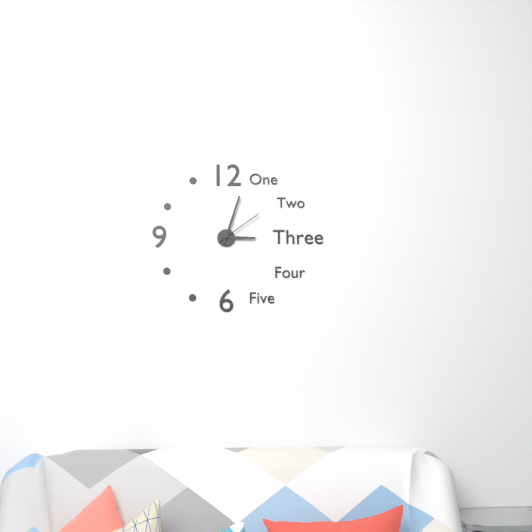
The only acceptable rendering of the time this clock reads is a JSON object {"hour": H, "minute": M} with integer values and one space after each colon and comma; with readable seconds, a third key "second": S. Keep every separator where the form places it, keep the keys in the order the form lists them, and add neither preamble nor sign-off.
{"hour": 3, "minute": 3, "second": 9}
